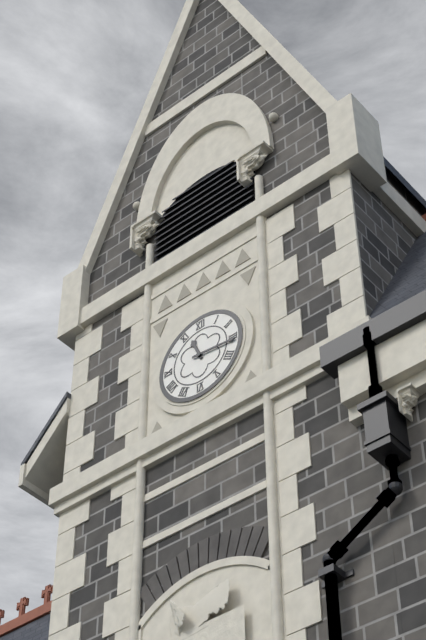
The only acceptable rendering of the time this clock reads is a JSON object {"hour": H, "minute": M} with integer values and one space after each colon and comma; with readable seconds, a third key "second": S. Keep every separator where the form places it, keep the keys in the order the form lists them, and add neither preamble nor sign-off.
{"hour": 11, "minute": 16}
